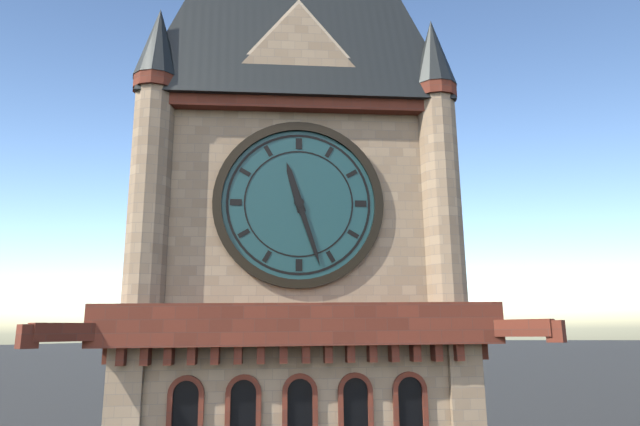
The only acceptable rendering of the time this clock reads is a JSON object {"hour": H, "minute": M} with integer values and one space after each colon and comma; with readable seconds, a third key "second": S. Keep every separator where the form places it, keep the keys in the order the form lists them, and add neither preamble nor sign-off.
{"hour": 11, "minute": 27}
